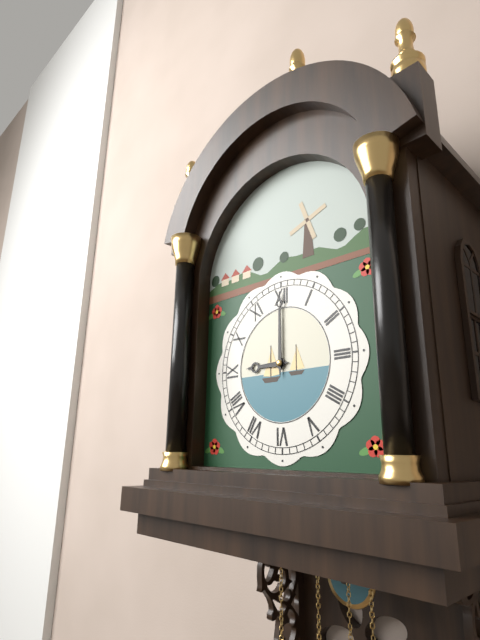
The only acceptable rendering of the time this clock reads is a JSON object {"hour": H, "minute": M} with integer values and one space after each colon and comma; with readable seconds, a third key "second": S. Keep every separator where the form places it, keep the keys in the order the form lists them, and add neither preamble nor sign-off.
{"hour": 9, "minute": 0}
